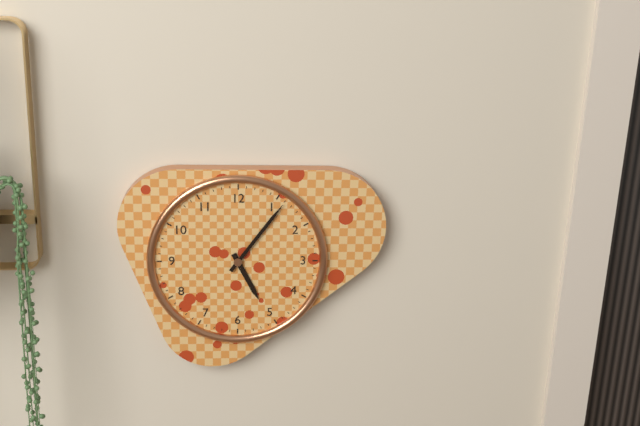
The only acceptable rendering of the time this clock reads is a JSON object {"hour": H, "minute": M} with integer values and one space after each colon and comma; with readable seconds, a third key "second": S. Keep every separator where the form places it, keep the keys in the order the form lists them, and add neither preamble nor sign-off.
{"hour": 5, "minute": 6}
